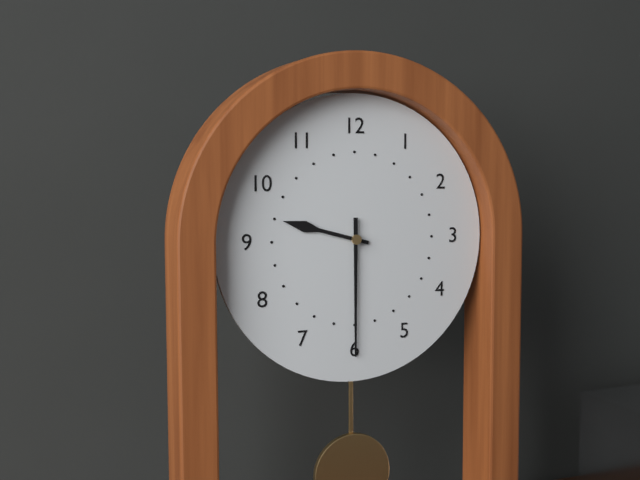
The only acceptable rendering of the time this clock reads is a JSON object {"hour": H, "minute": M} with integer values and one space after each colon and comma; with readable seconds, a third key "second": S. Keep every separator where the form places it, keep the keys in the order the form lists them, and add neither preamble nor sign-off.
{"hour": 9, "minute": 30}
